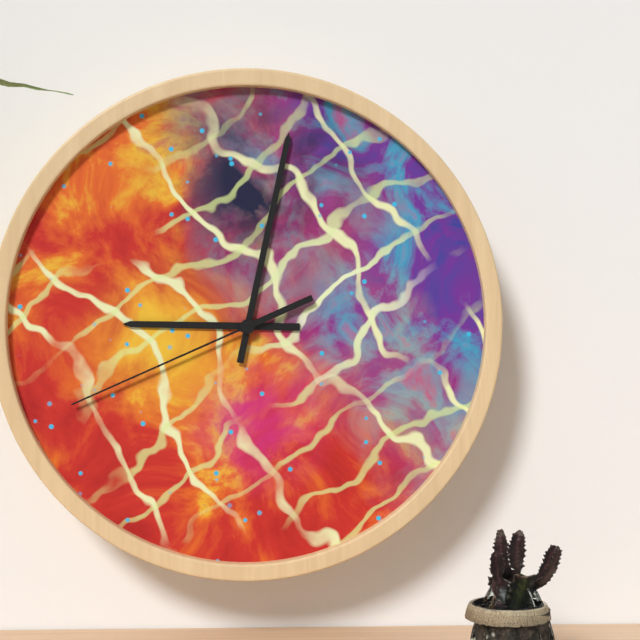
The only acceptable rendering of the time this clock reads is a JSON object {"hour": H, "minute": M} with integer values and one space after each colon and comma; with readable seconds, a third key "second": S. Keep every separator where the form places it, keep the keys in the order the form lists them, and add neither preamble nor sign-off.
{"hour": 9, "minute": 2, "second": 41}
